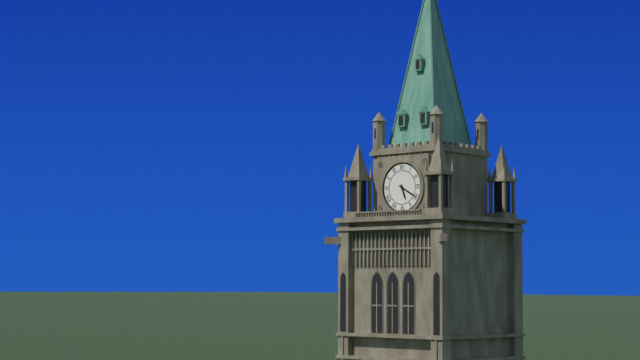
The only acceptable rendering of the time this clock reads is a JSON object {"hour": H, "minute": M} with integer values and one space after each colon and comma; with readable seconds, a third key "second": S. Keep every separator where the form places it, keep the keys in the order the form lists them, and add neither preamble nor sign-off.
{"hour": 5, "minute": 20}
